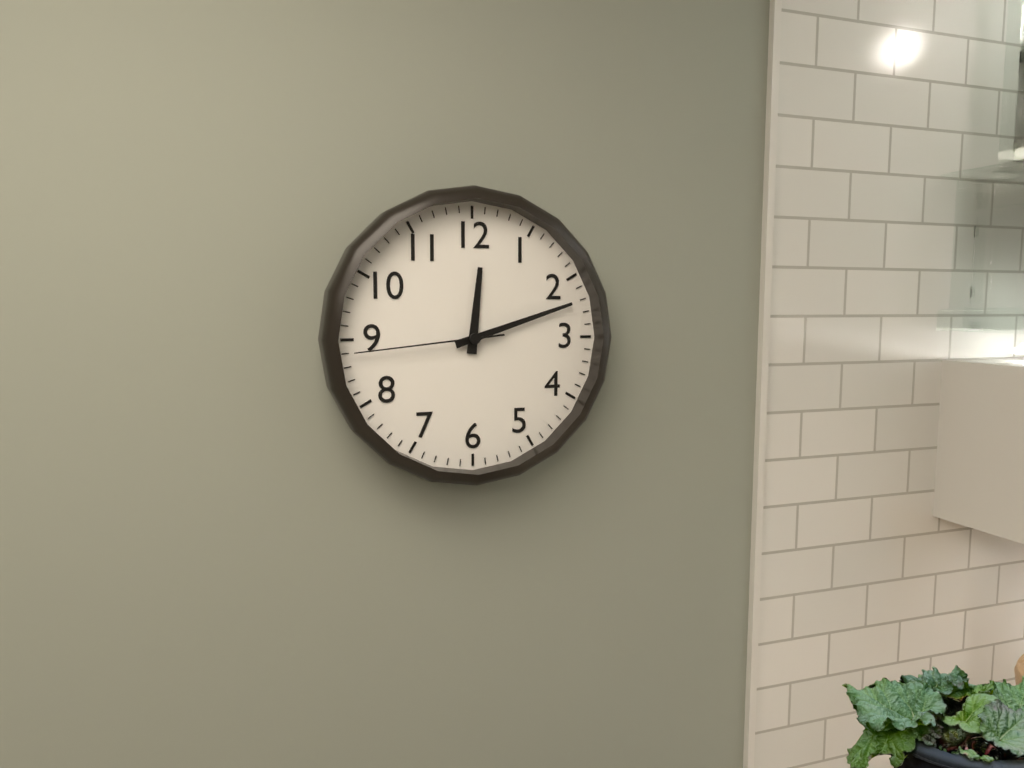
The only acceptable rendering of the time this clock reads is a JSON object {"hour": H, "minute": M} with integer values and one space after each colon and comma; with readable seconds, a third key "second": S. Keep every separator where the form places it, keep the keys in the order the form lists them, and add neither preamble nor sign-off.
{"hour": 12, "minute": 12, "second": 44}
